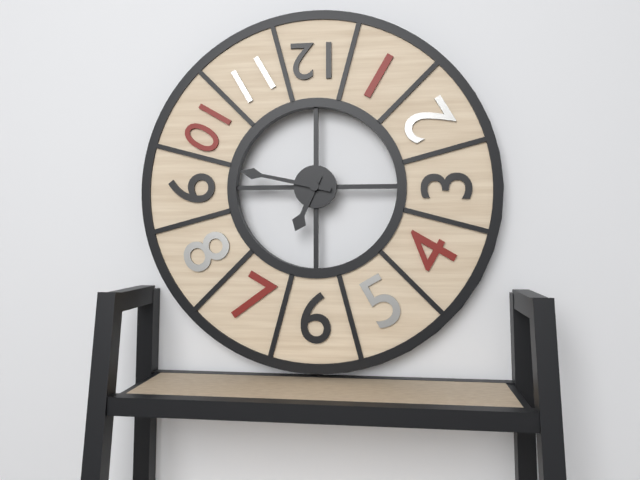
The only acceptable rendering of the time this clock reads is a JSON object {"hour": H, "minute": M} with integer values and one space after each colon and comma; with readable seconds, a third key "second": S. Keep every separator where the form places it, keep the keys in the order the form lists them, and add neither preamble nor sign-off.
{"hour": 6, "minute": 47}
